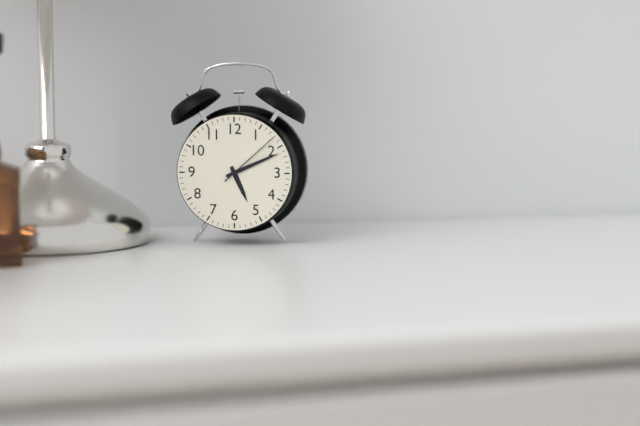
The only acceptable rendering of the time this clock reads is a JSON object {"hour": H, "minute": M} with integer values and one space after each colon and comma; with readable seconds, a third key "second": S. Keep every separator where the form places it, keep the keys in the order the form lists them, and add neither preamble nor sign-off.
{"hour": 5, "minute": 11, "second": 8}
